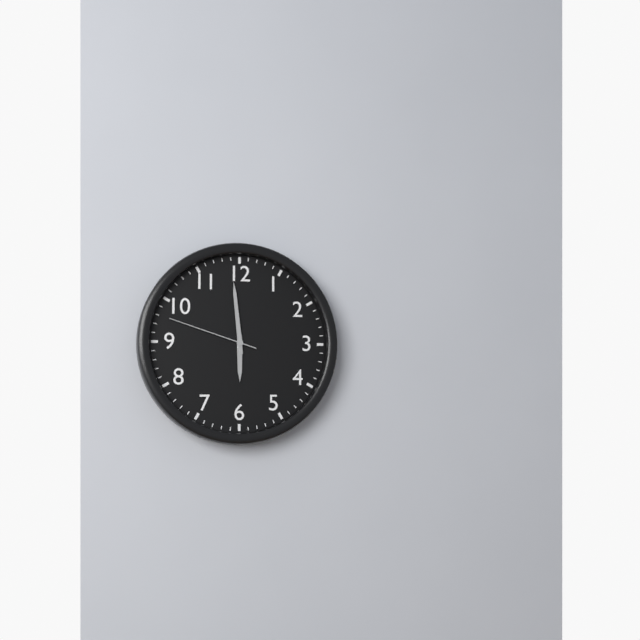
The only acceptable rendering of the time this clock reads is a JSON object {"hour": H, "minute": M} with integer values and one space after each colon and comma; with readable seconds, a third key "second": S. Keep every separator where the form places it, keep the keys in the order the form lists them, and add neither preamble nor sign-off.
{"hour": 5, "minute": 59, "second": 48}
